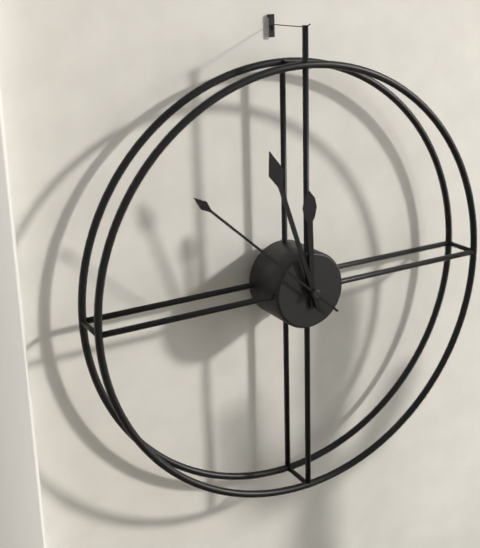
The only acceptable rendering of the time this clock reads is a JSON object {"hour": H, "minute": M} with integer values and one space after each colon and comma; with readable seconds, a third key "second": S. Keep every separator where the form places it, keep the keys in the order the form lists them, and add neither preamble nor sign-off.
{"hour": 11, "minute": 57, "second": 52}
